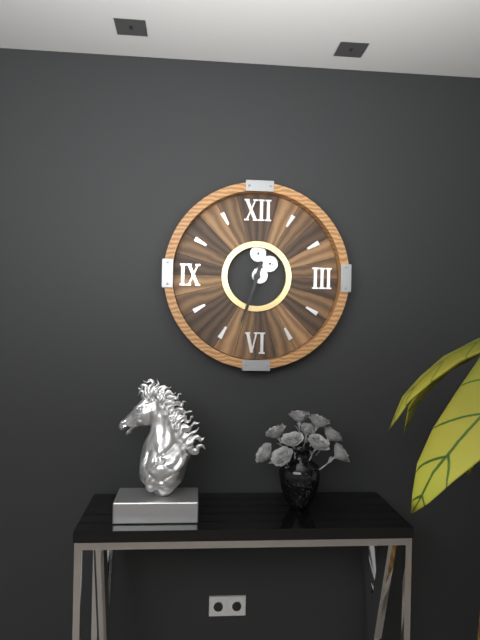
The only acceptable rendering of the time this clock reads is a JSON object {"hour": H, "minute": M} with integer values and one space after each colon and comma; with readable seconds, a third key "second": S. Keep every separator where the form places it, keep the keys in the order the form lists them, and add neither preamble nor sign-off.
{"hour": 6, "minute": 33}
